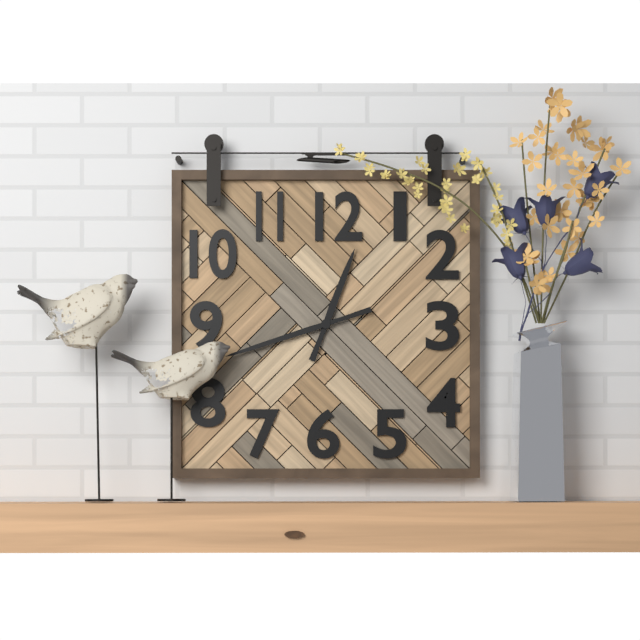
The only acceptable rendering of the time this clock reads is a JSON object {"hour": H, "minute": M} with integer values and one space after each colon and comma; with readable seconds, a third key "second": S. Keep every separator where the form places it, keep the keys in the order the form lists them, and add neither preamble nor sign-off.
{"hour": 12, "minute": 42}
